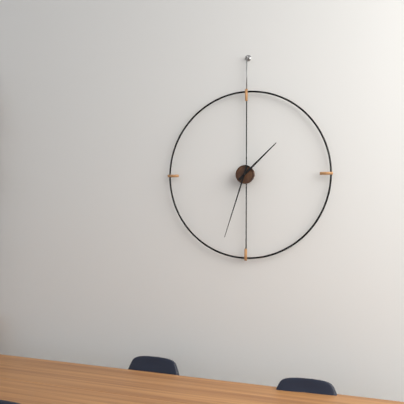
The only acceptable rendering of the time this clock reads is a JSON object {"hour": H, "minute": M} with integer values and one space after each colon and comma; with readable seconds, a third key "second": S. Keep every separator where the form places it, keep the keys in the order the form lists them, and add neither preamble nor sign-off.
{"hour": 1, "minute": 33}
